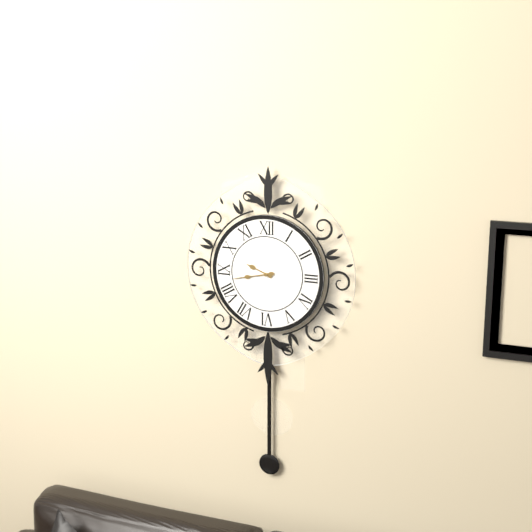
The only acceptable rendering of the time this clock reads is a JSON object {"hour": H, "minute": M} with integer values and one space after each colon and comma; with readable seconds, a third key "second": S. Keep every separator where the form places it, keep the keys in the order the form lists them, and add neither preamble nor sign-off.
{"hour": 9, "minute": 43}
